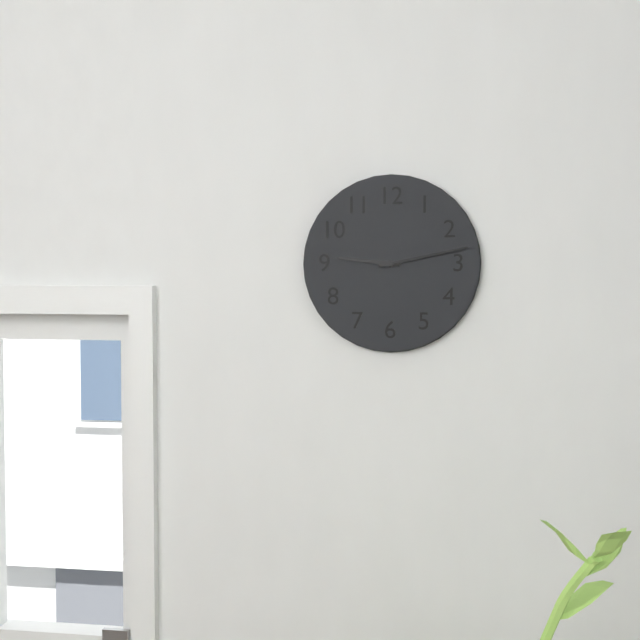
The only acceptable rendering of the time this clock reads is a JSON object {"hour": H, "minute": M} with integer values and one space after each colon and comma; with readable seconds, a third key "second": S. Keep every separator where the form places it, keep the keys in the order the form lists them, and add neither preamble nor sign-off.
{"hour": 9, "minute": 13}
